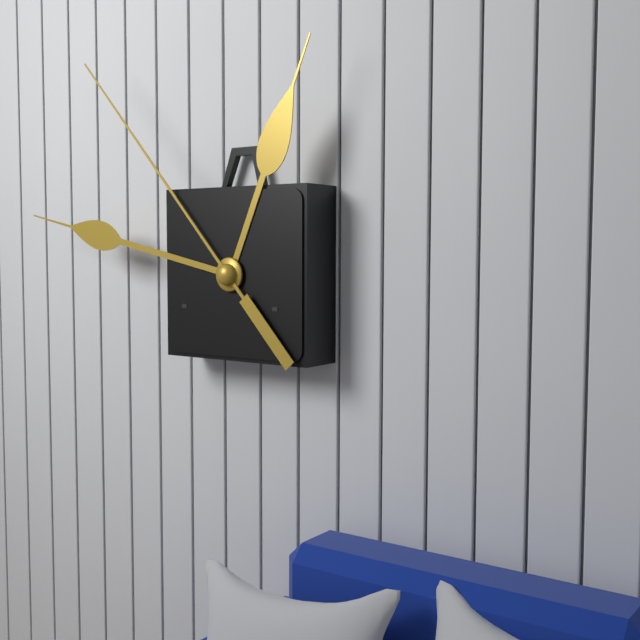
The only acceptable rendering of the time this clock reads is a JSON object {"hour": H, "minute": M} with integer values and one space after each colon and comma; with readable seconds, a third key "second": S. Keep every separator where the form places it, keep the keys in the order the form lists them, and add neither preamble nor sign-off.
{"hour": 12, "minute": 47, "second": 53}
